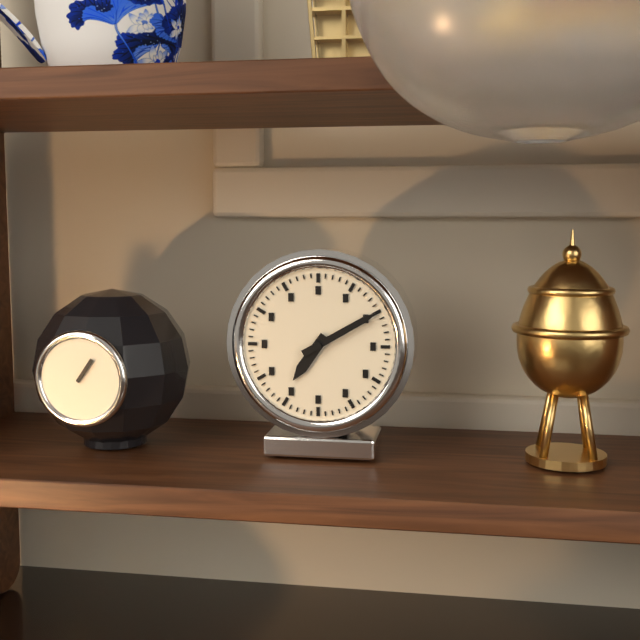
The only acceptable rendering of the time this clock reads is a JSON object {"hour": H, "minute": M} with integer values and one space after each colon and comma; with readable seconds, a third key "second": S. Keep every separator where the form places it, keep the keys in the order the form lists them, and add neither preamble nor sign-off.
{"hour": 7, "minute": 10}
